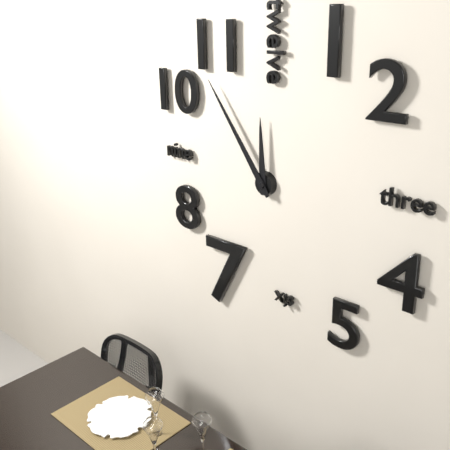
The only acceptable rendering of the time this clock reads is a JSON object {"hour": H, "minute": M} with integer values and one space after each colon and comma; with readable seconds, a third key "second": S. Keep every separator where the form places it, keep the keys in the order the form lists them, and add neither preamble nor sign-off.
{"hour": 11, "minute": 54}
